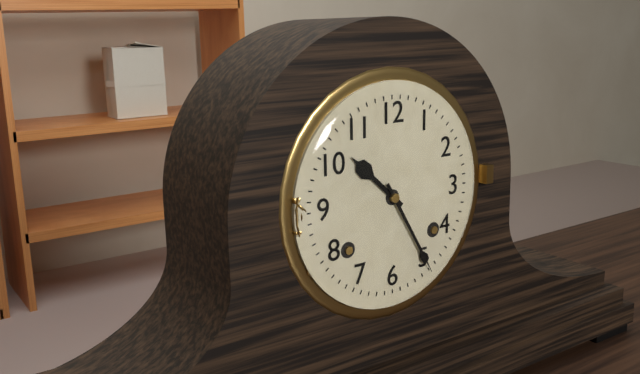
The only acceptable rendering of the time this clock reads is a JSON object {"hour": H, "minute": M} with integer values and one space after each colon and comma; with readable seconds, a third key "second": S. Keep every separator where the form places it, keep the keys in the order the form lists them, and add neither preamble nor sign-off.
{"hour": 10, "minute": 25}
